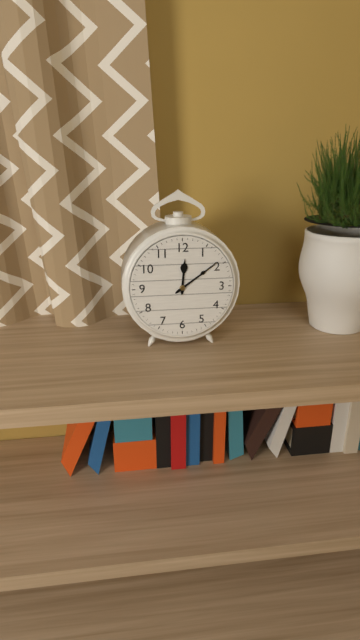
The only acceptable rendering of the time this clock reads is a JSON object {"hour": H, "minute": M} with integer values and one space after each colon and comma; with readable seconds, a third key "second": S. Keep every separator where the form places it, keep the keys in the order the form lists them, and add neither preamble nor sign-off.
{"hour": 12, "minute": 9}
